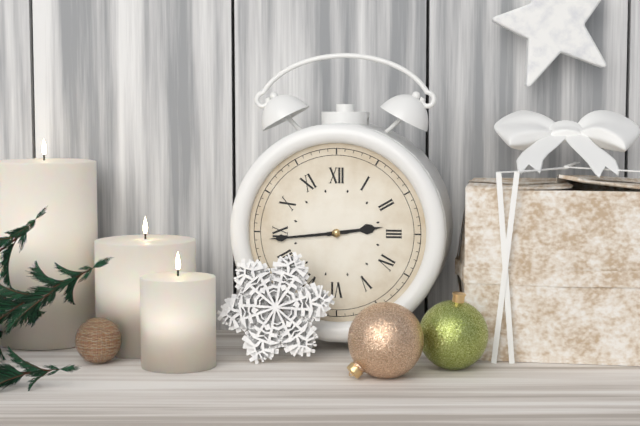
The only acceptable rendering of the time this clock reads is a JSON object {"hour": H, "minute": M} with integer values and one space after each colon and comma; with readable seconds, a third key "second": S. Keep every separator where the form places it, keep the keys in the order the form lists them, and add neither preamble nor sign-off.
{"hour": 2, "minute": 44}
